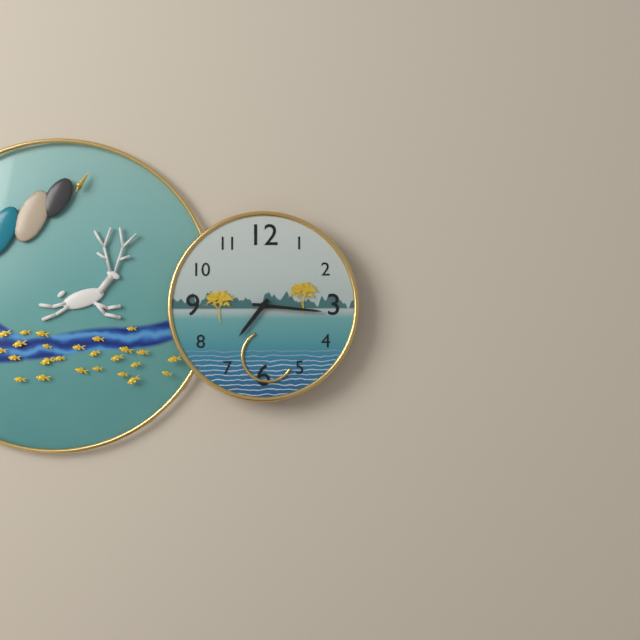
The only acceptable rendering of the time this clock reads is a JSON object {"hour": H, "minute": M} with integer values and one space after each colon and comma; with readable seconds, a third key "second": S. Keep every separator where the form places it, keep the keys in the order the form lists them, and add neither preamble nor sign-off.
{"hour": 7, "minute": 16}
